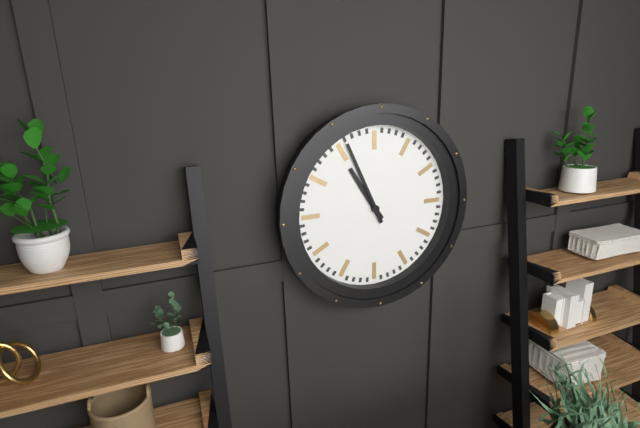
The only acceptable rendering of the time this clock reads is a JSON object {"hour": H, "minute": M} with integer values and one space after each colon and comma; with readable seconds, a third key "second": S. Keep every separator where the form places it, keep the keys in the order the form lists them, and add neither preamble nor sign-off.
{"hour": 10, "minute": 56}
